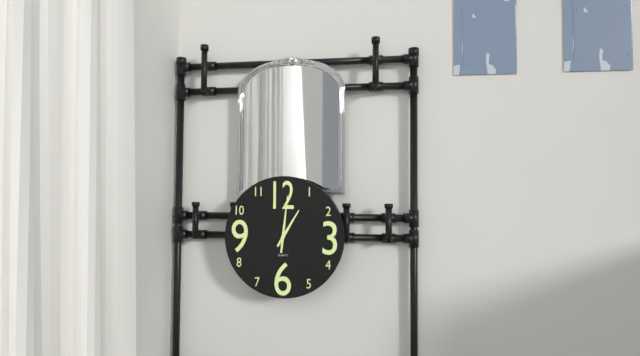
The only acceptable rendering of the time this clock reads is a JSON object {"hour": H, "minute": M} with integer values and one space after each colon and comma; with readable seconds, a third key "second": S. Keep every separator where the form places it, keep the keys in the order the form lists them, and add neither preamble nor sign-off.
{"hour": 1, "minute": 1}
